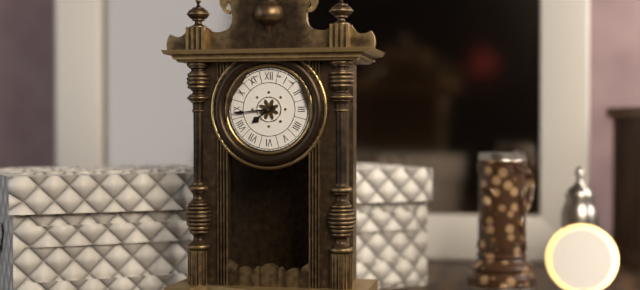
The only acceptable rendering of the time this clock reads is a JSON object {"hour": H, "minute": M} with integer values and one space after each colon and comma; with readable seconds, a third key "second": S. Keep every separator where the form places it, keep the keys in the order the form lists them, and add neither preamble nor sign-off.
{"hour": 7, "minute": 44}
